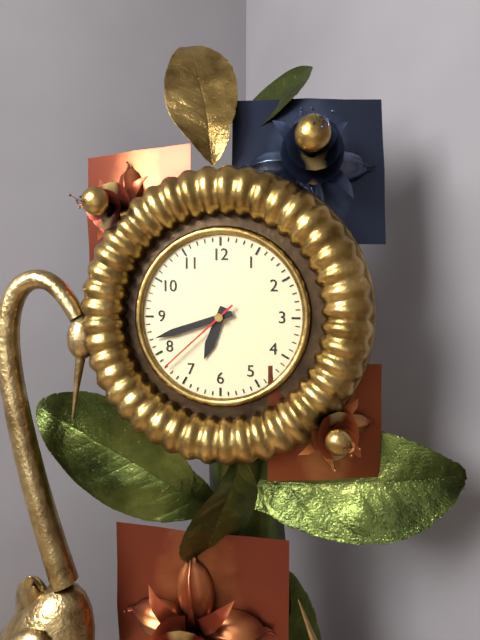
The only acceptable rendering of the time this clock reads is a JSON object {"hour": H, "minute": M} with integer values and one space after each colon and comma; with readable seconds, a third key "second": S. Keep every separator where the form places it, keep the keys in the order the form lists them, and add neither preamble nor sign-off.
{"hour": 6, "minute": 42, "second": 38}
